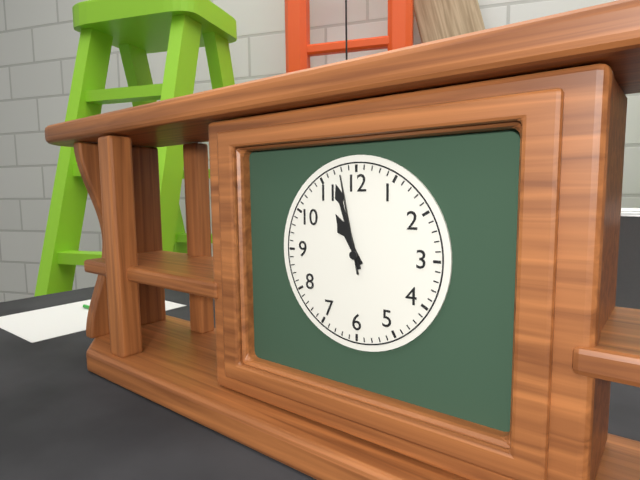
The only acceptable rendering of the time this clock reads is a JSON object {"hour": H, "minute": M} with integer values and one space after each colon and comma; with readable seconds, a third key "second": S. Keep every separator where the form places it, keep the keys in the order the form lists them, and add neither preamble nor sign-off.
{"hour": 10, "minute": 57, "second": 58}
